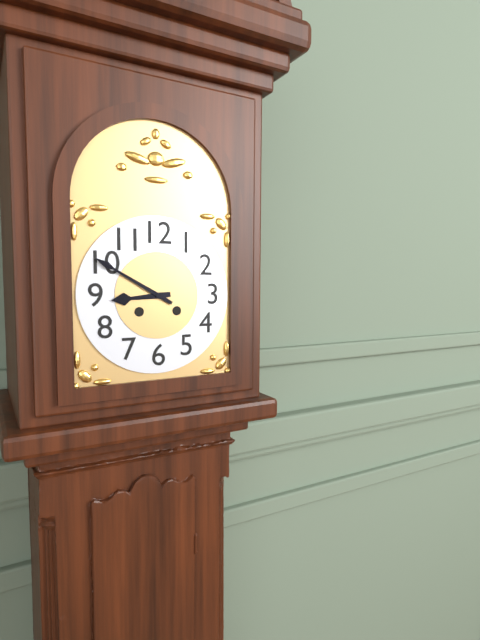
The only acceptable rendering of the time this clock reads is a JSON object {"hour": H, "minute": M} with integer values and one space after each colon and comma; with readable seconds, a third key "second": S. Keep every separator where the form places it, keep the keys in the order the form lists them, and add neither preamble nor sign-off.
{"hour": 8, "minute": 50}
